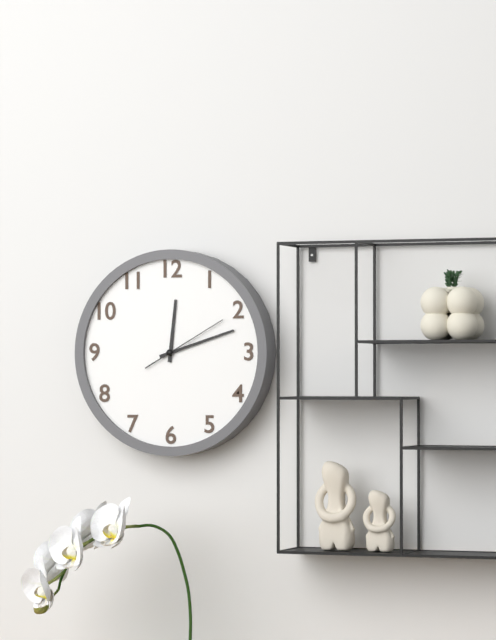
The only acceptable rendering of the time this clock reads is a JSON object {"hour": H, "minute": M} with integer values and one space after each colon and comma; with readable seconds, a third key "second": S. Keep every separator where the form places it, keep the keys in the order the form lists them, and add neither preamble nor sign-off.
{"hour": 12, "minute": 12, "second": 10}
